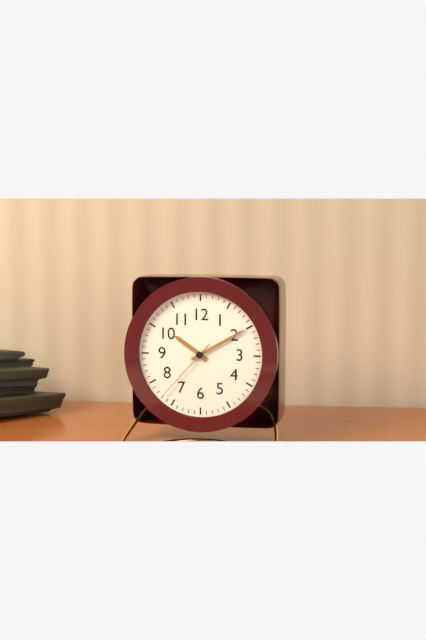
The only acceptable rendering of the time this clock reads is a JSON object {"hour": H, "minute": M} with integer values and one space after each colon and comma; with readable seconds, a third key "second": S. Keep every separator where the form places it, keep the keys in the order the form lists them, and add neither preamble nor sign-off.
{"hour": 10, "minute": 10, "second": 37}
